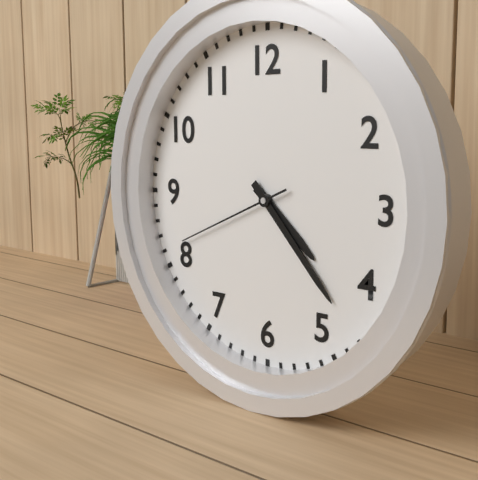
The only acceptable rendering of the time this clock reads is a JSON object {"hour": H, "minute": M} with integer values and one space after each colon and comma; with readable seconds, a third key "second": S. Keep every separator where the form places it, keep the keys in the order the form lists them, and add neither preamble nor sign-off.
{"hour": 4, "minute": 23, "second": 41}
